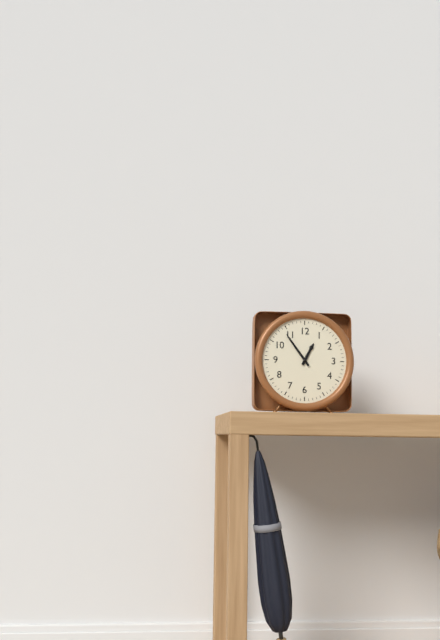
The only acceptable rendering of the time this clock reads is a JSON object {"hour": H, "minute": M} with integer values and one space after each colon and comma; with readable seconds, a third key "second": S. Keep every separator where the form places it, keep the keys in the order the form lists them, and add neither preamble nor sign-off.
{"hour": 12, "minute": 54}
